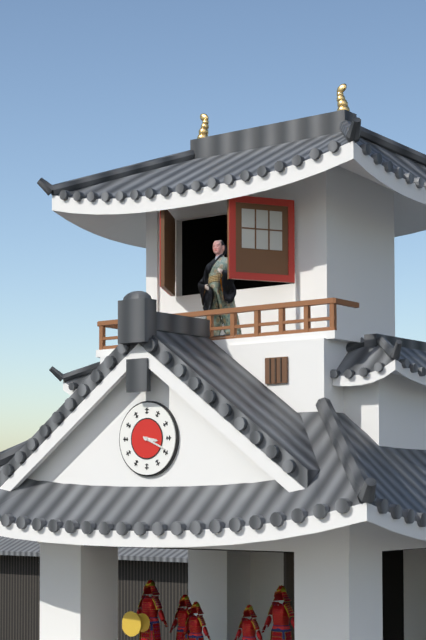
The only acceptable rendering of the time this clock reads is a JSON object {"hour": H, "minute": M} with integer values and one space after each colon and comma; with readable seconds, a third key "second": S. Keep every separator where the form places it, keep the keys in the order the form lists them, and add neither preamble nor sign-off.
{"hour": 3, "minute": 19}
